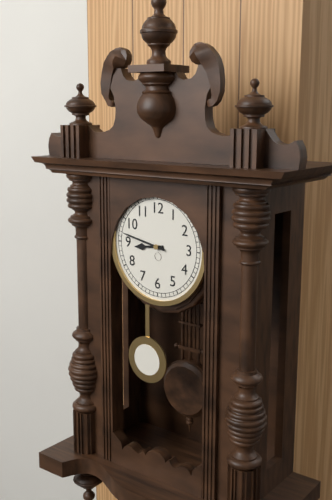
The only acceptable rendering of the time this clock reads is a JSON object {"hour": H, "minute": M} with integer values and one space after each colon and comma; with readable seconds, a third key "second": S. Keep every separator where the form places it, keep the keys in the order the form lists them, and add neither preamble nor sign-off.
{"hour": 8, "minute": 47}
